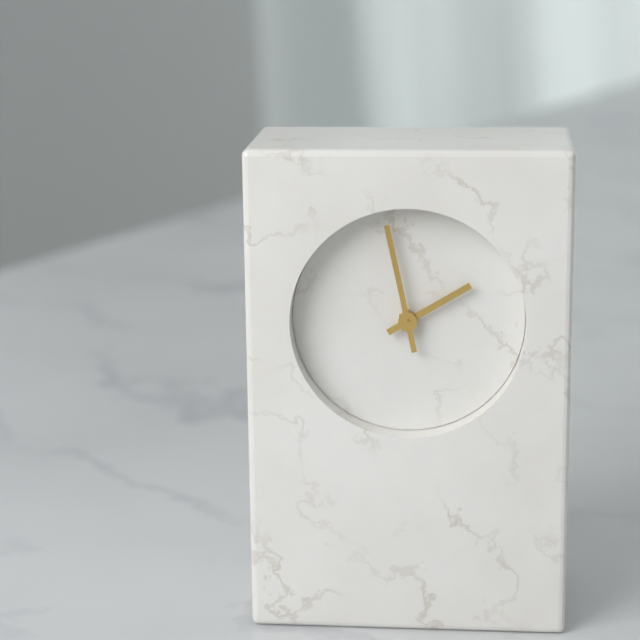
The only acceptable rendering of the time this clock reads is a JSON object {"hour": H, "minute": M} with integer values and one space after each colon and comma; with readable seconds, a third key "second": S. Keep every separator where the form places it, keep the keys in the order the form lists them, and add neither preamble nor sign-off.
{"hour": 1, "minute": 58}
